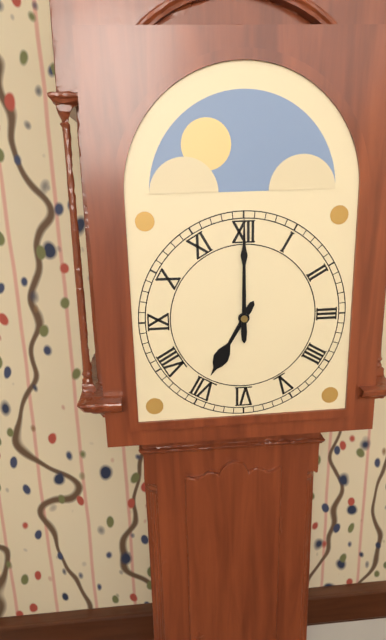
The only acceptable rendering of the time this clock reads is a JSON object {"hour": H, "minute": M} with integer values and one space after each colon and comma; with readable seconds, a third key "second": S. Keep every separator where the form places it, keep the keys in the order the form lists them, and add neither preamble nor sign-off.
{"hour": 7, "minute": 0}
